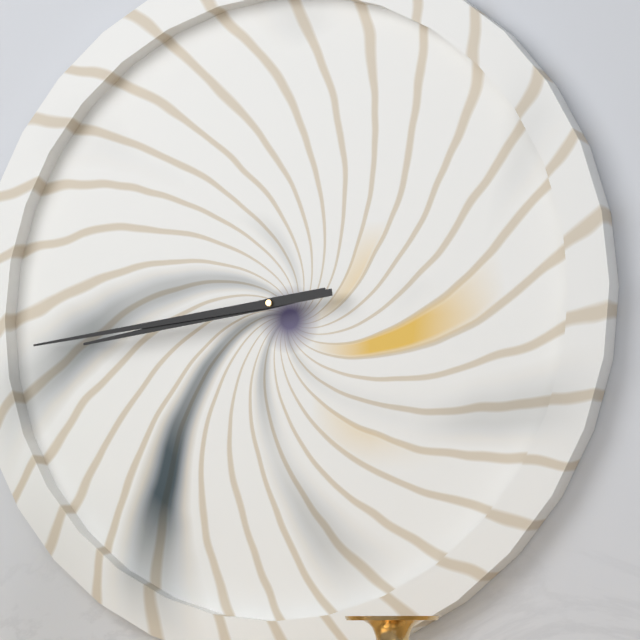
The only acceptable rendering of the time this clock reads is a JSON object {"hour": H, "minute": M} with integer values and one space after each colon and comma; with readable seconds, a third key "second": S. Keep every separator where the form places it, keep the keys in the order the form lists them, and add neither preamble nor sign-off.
{"hour": 8, "minute": 44}
